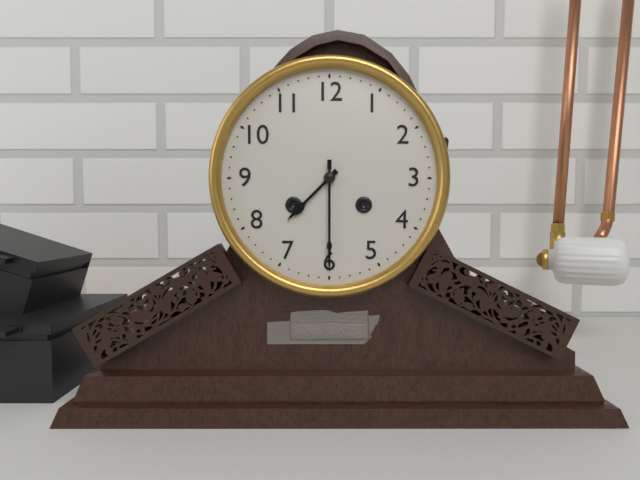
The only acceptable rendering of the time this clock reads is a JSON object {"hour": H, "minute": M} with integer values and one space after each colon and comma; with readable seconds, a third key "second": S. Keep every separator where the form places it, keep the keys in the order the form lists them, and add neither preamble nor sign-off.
{"hour": 7, "minute": 30}
